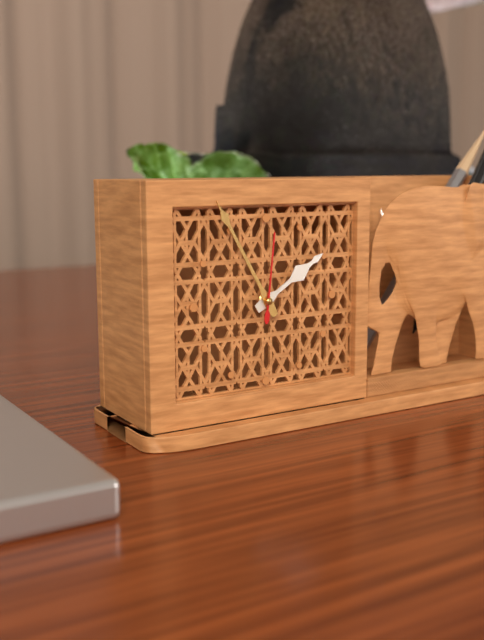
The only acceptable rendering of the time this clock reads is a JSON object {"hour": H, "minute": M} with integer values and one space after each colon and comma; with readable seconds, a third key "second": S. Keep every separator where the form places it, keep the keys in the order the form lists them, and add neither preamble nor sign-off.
{"hour": 1, "minute": 55, "second": 1}
